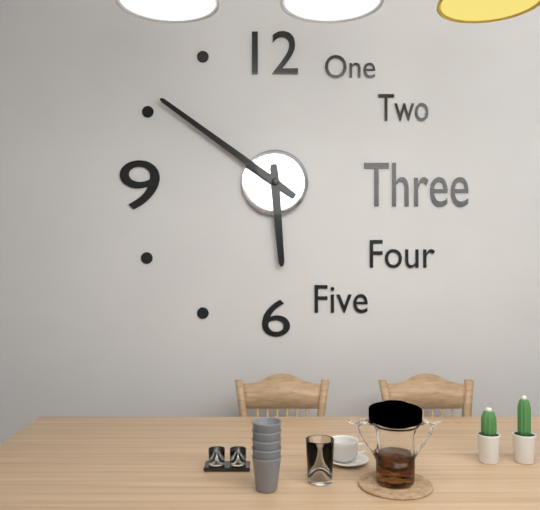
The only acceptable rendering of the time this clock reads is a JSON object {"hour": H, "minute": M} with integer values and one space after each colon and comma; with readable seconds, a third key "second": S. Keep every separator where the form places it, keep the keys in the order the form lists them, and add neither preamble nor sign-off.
{"hour": 5, "minute": 51}
